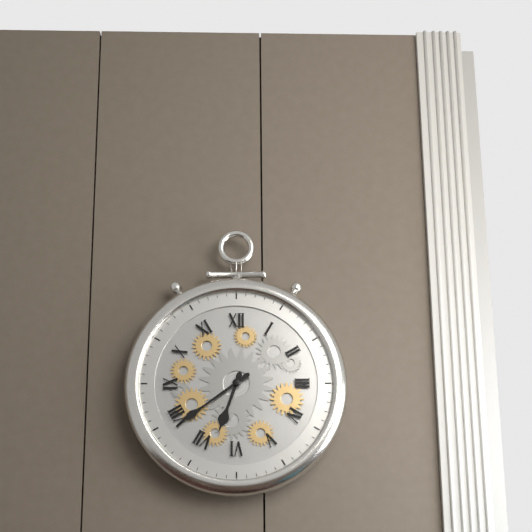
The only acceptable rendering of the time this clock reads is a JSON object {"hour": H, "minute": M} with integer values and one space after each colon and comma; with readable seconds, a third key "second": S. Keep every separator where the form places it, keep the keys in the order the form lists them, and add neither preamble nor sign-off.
{"hour": 6, "minute": 39}
